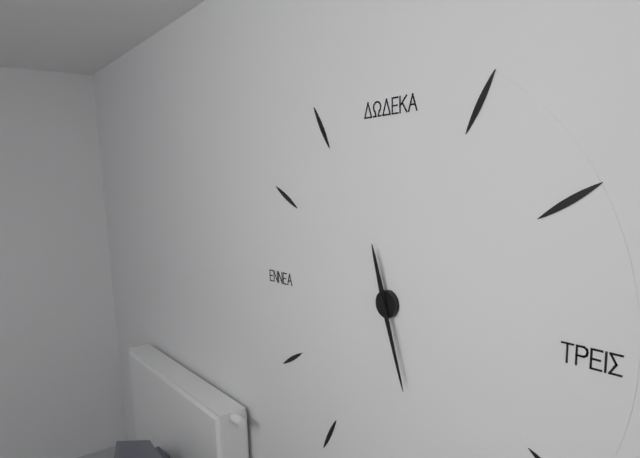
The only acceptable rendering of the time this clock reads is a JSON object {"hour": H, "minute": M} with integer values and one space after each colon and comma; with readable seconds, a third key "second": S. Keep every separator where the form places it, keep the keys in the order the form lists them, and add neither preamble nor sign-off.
{"hour": 11, "minute": 27}
